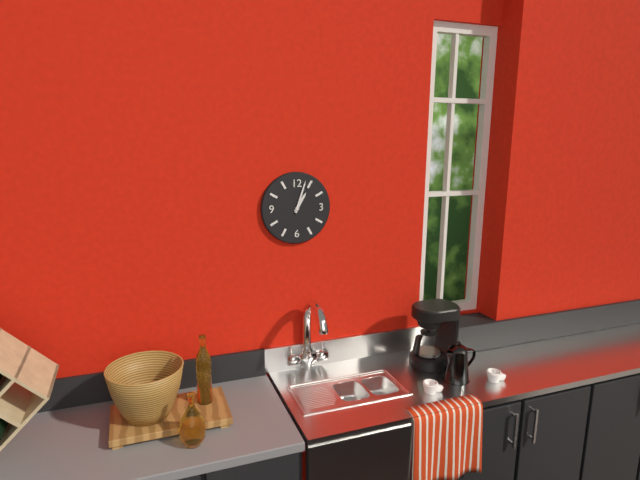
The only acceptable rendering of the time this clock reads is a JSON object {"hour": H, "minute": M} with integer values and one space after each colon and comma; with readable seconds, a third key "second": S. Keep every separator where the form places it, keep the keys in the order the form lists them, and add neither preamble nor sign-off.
{"hour": 1, "minute": 3}
